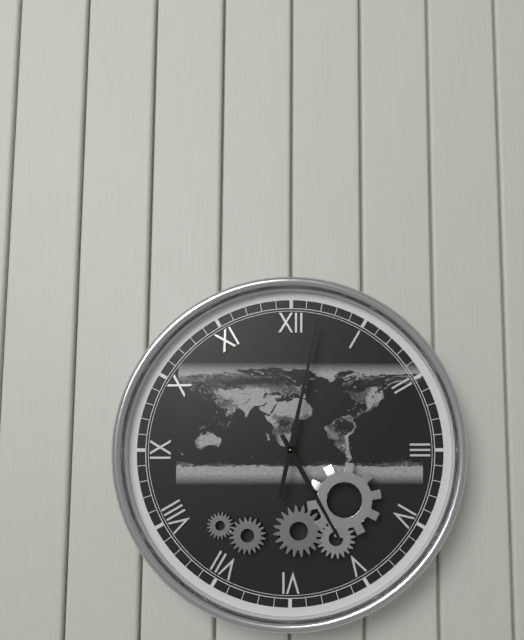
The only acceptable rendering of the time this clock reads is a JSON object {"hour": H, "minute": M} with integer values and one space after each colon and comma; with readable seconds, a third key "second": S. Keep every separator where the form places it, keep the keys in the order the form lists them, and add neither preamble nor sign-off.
{"hour": 5, "minute": 2}
